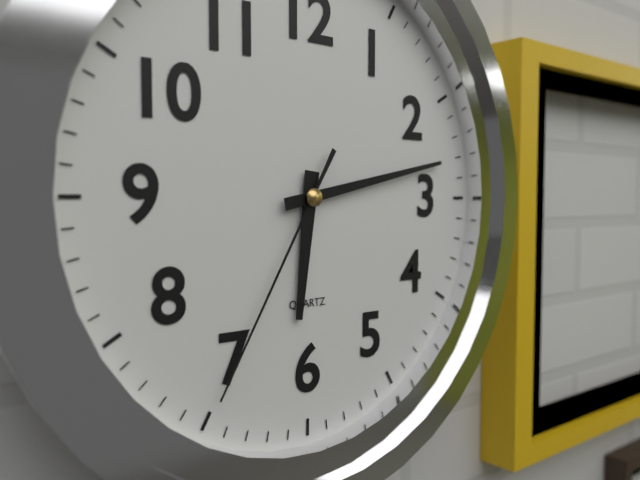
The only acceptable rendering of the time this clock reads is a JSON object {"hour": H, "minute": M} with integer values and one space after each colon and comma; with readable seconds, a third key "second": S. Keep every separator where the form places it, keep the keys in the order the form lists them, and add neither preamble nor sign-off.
{"hour": 6, "minute": 13, "second": 35}
